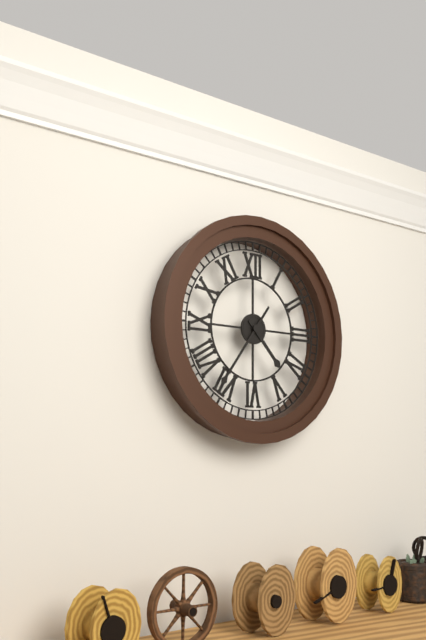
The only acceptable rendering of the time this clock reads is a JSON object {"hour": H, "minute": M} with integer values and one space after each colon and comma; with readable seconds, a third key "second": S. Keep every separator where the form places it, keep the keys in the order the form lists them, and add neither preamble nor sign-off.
{"hour": 4, "minute": 36}
